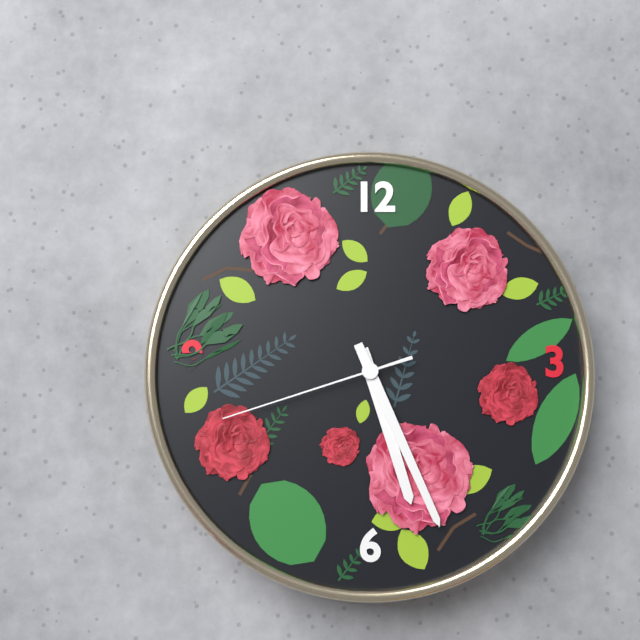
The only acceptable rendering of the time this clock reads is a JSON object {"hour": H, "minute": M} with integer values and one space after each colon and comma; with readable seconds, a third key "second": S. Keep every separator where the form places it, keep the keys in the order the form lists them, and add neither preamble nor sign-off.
{"hour": 5, "minute": 26, "second": 42}
